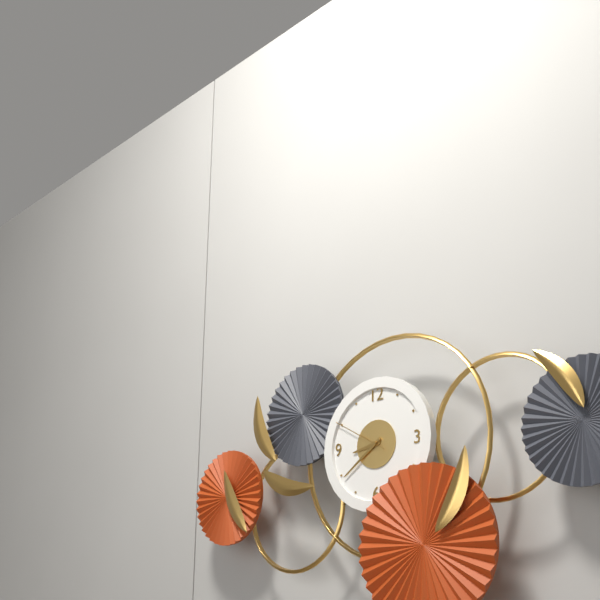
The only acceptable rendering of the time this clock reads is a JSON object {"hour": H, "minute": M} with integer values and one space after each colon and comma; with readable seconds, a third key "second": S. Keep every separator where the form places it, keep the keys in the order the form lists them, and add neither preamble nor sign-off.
{"hour": 8, "minute": 39, "second": 50}
